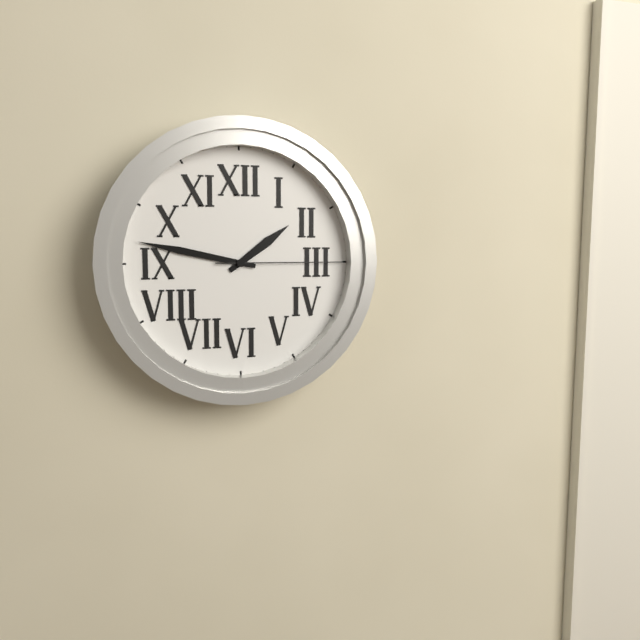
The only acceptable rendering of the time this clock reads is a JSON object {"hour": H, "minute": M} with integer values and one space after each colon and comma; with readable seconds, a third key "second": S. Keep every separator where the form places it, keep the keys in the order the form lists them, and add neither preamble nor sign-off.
{"hour": 1, "minute": 47, "second": 15}
